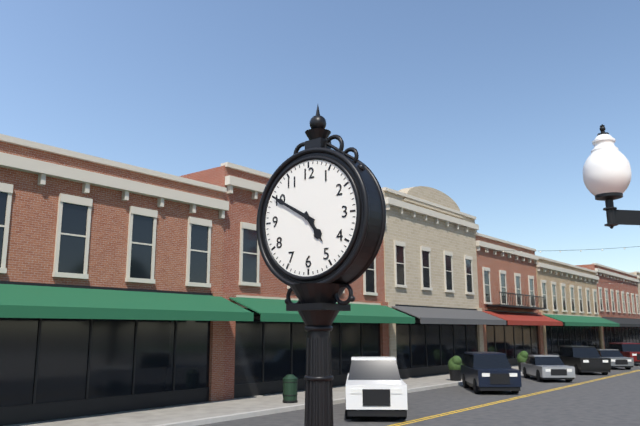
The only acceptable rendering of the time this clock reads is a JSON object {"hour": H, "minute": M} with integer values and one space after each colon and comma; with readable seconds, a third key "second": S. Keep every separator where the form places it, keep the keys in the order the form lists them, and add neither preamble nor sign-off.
{"hour": 4, "minute": 50}
